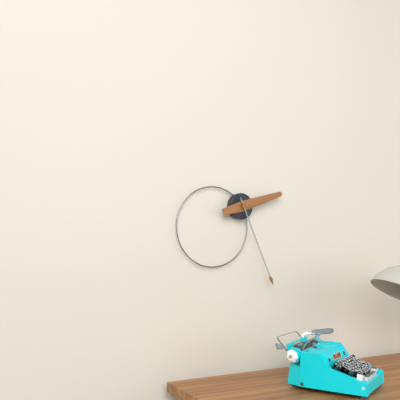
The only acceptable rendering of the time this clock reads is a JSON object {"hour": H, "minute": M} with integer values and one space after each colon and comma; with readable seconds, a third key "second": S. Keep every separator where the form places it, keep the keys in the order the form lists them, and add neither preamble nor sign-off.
{"hour": 2, "minute": 26}
